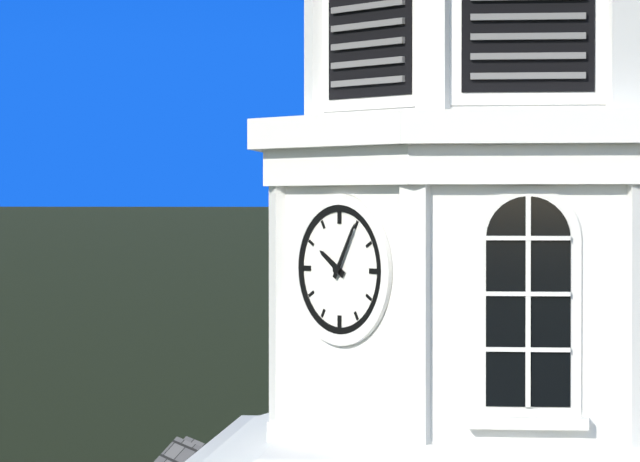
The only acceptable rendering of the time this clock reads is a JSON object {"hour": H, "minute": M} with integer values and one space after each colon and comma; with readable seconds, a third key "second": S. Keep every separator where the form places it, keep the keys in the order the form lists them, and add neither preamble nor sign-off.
{"hour": 10, "minute": 5}
